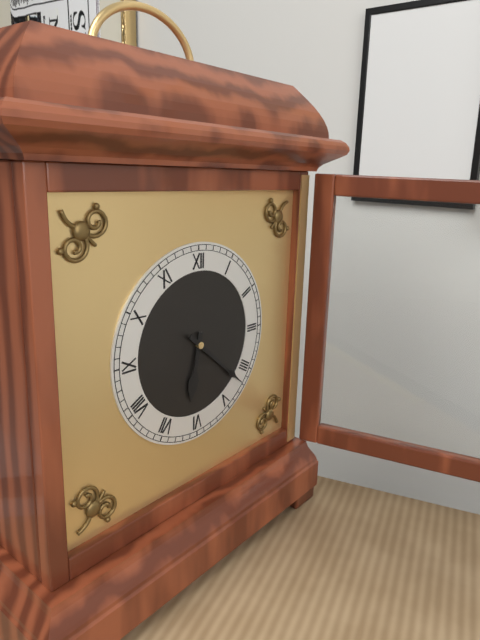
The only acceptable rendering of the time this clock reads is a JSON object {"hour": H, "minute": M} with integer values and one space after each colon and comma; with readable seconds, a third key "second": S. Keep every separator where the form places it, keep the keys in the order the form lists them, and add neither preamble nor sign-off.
{"hour": 6, "minute": 22}
